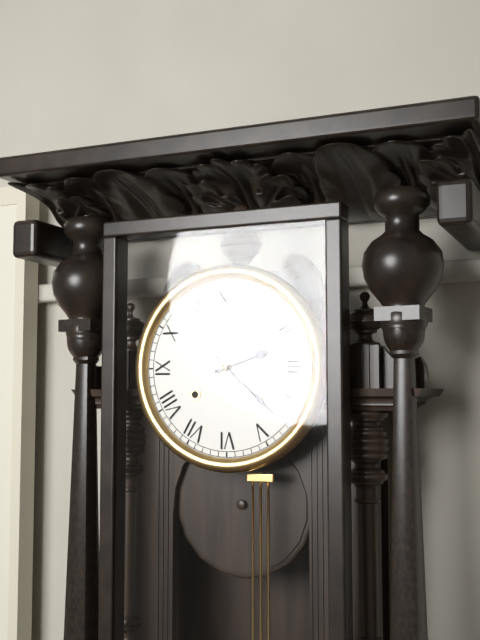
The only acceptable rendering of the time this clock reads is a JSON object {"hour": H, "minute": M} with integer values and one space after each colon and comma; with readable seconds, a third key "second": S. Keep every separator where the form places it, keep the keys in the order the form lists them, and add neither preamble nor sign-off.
{"hour": 2, "minute": 22}
